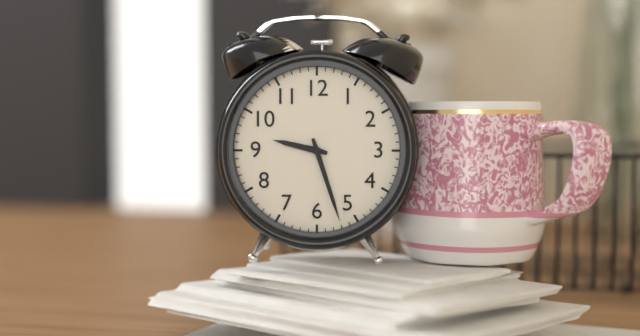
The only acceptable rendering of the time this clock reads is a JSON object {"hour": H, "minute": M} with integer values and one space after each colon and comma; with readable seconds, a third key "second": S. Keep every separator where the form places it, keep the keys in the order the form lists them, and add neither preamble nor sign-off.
{"hour": 9, "minute": 27}
